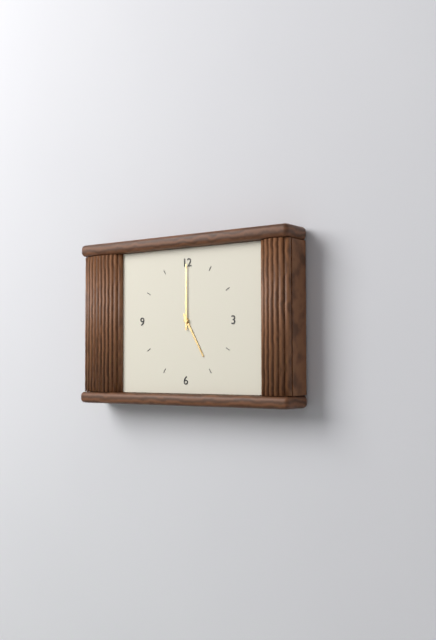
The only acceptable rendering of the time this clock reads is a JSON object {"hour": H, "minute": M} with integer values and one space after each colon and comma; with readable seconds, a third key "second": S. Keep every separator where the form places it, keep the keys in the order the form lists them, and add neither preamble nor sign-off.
{"hour": 5, "minute": 0}
